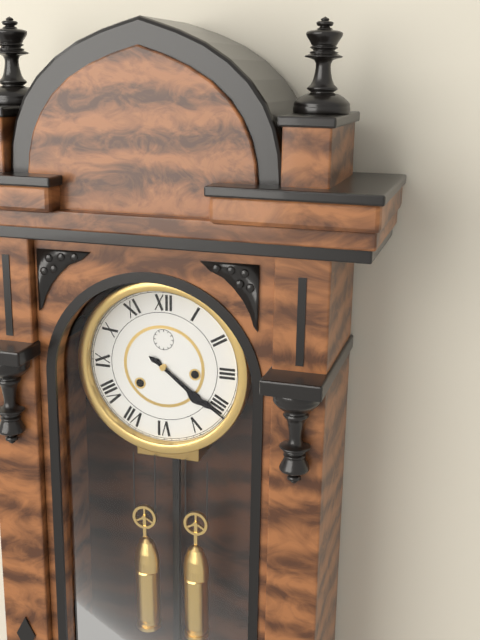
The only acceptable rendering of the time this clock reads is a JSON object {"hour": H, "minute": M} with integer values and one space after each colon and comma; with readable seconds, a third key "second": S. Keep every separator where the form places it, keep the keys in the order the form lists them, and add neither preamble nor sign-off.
{"hour": 4, "minute": 21}
